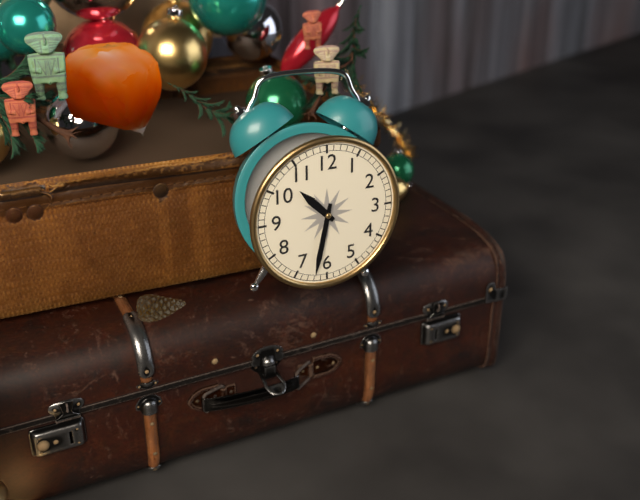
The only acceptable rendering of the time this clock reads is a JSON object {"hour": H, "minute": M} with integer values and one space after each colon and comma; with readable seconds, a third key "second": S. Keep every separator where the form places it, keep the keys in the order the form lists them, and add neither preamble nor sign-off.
{"hour": 10, "minute": 32}
